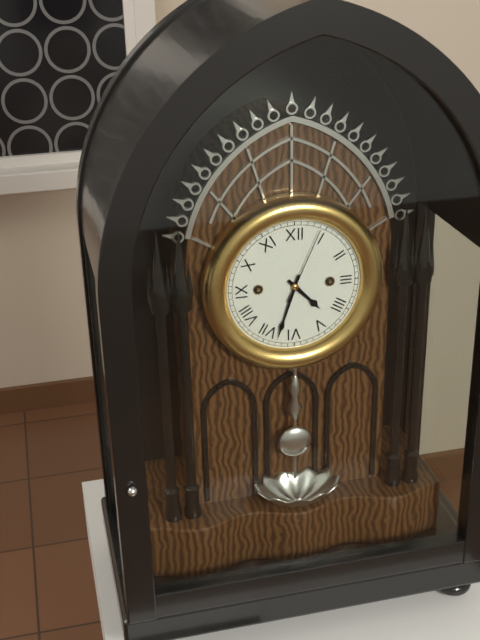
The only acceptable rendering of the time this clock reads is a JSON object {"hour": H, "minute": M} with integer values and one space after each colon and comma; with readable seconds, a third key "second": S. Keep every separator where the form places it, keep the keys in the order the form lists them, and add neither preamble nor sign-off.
{"hour": 4, "minute": 33, "second": 4}
